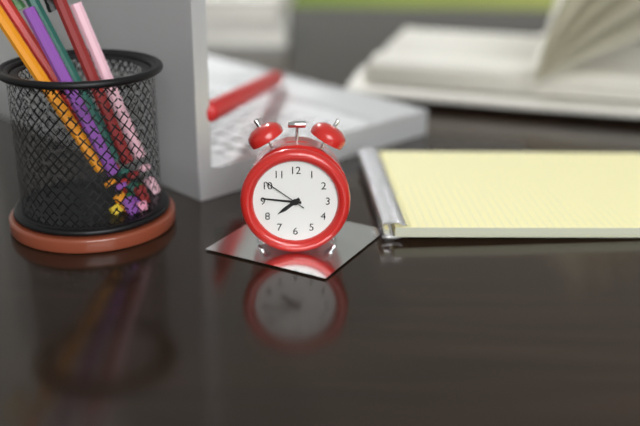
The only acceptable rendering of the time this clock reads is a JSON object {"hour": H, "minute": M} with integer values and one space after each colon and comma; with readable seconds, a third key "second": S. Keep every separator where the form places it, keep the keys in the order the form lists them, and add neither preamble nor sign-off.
{"hour": 7, "minute": 46}
